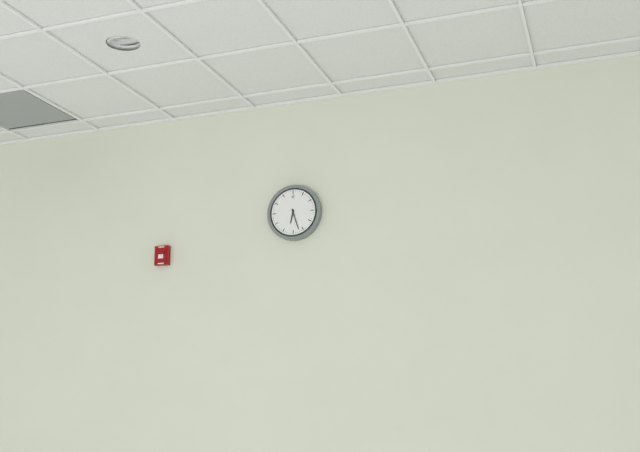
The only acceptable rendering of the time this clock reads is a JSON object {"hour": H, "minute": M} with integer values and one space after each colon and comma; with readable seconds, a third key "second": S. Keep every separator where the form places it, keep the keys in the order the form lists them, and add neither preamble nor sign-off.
{"hour": 6, "minute": 27}
